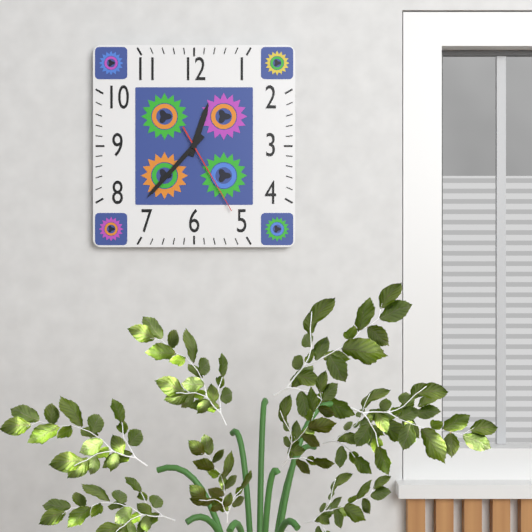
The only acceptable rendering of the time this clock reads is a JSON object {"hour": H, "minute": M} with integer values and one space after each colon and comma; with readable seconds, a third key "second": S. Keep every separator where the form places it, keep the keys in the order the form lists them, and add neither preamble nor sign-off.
{"hour": 12, "minute": 37, "second": 25}
